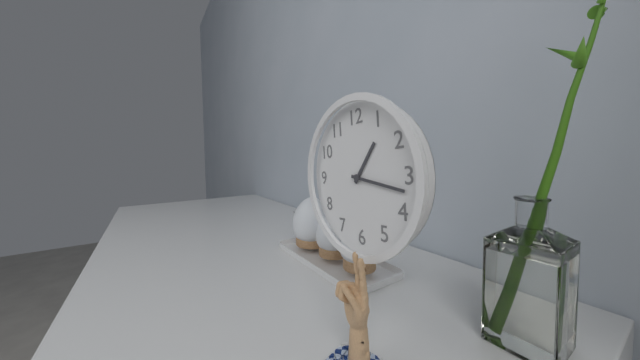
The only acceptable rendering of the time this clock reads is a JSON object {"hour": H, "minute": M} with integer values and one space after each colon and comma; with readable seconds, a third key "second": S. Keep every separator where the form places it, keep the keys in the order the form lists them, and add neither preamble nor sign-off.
{"hour": 1, "minute": 17}
